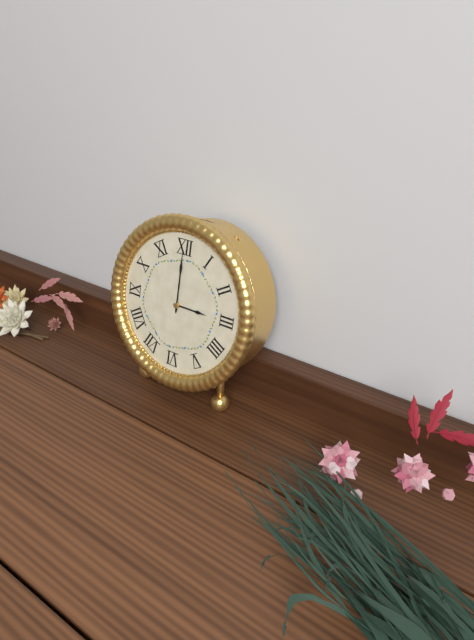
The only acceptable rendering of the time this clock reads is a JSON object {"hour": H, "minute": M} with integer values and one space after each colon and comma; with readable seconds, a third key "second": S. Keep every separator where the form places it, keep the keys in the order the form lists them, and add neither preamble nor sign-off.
{"hour": 3, "minute": 0}
